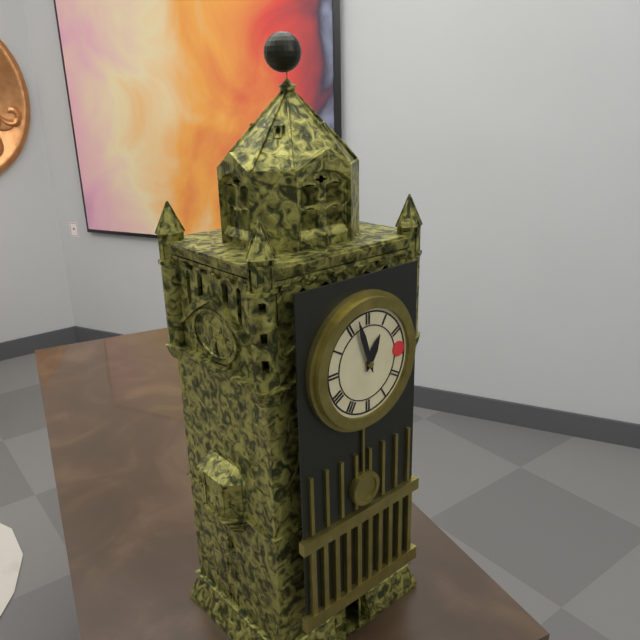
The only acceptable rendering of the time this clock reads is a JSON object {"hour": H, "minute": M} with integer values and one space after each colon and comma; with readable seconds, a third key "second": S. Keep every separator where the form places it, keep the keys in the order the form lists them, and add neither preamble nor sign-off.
{"hour": 12, "minute": 57}
